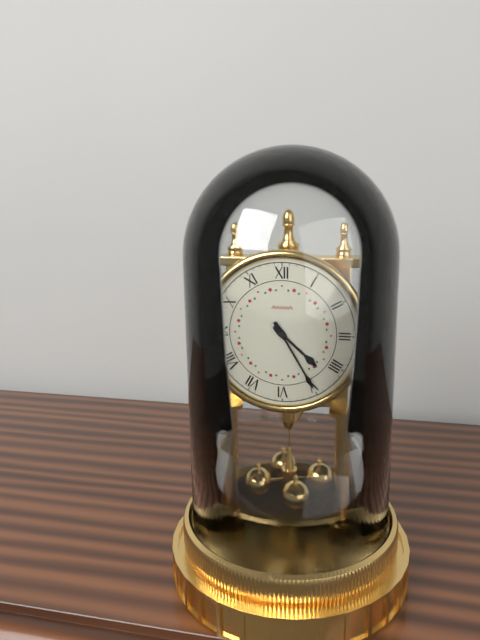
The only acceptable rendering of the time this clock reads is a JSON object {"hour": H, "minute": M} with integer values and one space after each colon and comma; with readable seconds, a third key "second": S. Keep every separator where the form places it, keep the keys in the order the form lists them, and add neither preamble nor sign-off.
{"hour": 4, "minute": 25}
